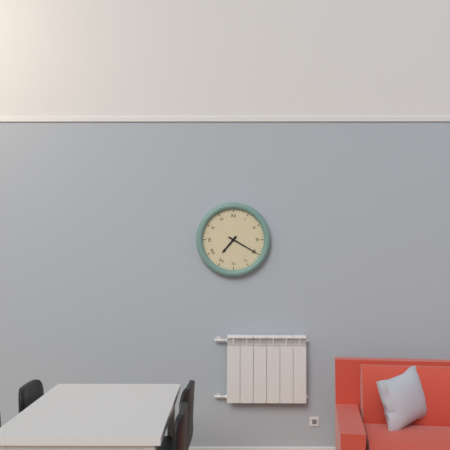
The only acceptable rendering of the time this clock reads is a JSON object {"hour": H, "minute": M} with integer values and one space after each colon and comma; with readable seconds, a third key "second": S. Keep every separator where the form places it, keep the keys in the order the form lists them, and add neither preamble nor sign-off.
{"hour": 7, "minute": 20}
